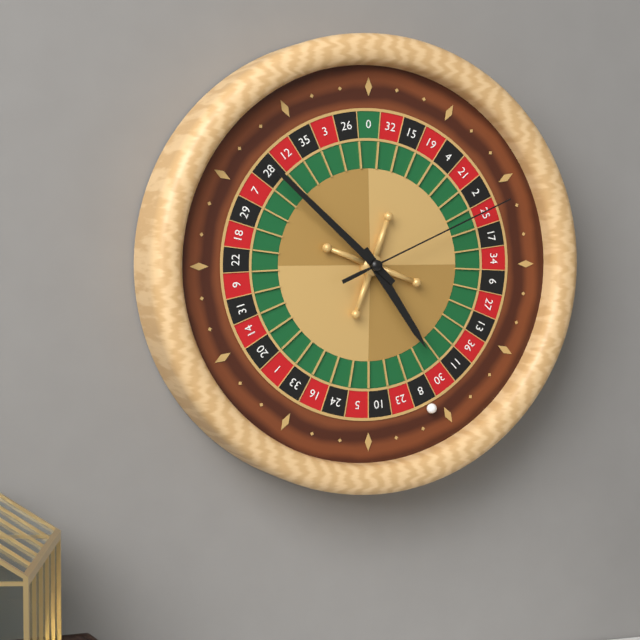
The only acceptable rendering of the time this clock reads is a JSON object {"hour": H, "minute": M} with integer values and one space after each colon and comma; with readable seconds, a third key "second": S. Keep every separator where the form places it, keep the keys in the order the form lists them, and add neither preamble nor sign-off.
{"hour": 4, "minute": 52, "second": 11}
